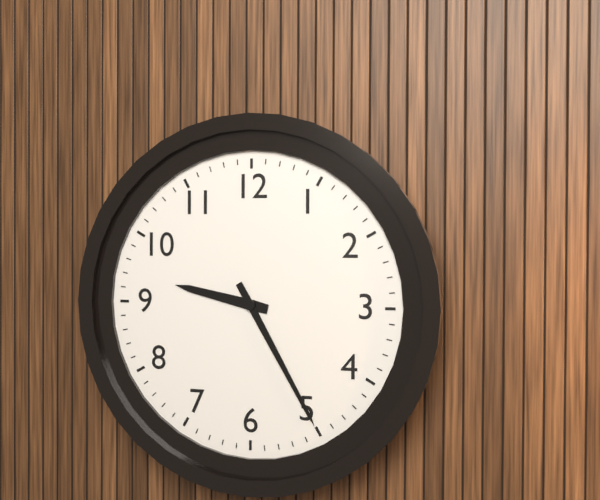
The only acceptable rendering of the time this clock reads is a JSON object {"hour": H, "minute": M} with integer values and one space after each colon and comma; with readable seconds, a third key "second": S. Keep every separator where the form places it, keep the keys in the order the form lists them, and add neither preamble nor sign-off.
{"hour": 9, "minute": 25}
